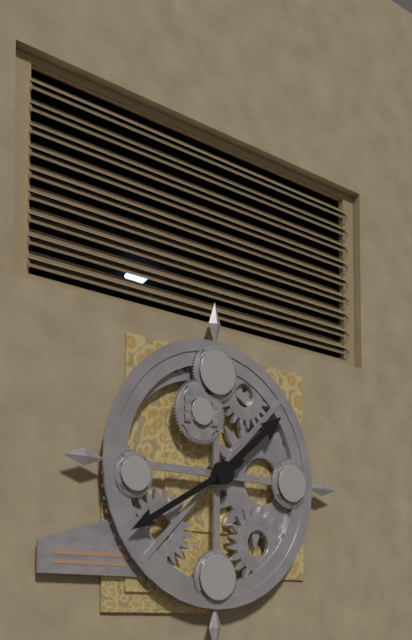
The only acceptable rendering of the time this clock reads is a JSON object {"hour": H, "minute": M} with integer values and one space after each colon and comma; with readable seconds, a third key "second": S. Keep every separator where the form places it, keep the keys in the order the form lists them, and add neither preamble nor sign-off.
{"hour": 1, "minute": 40}
